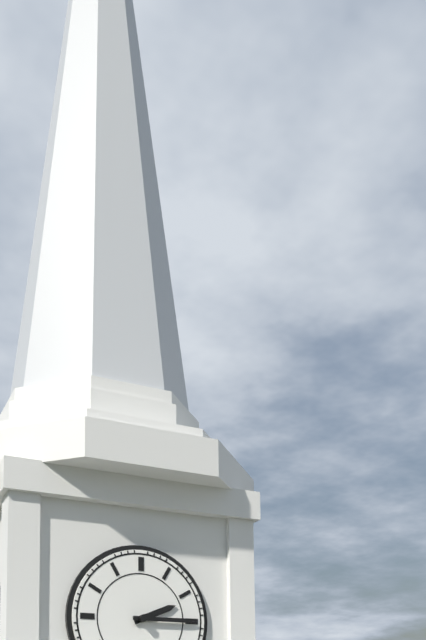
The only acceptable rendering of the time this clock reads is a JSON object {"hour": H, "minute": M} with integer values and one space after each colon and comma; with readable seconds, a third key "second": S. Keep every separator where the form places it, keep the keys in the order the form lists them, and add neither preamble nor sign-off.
{"hour": 2, "minute": 15}
